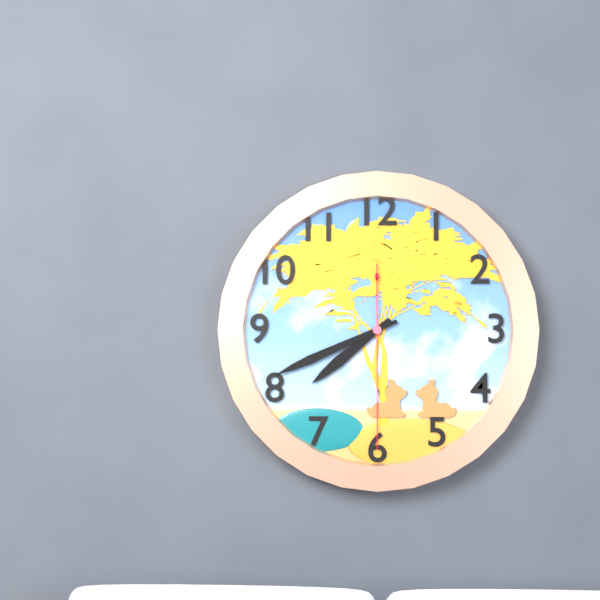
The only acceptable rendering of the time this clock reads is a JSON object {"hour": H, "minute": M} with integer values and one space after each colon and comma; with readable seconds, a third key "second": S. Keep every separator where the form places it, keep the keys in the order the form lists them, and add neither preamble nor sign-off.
{"hour": 7, "minute": 41, "second": 30}
